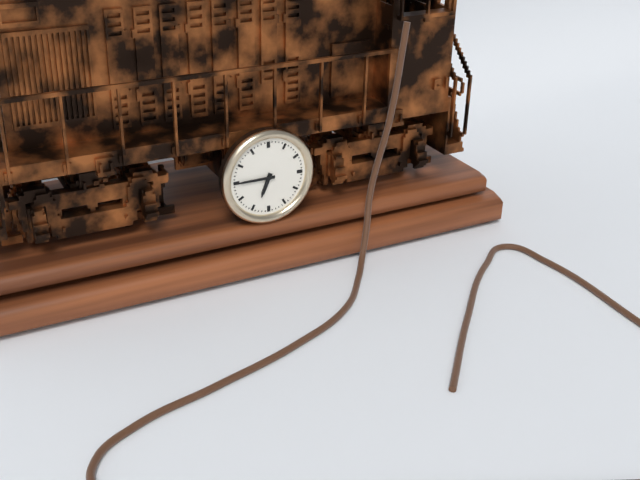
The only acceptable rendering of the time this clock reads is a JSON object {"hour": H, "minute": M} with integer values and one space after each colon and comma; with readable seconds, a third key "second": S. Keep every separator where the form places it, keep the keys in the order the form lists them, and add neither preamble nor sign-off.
{"hour": 6, "minute": 45}
